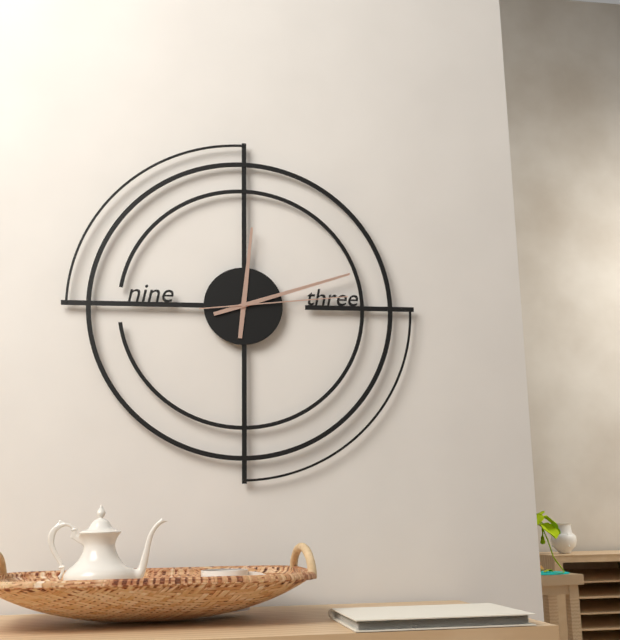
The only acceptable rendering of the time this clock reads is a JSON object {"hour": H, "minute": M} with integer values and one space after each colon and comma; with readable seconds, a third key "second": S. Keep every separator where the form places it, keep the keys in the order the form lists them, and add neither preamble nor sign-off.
{"hour": 12, "minute": 12, "second": 14}
